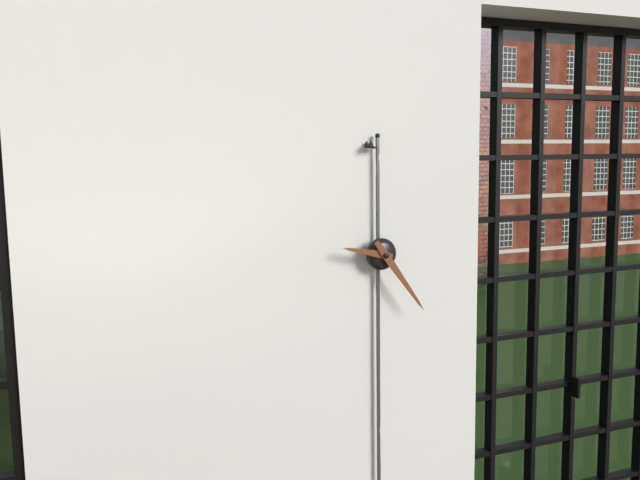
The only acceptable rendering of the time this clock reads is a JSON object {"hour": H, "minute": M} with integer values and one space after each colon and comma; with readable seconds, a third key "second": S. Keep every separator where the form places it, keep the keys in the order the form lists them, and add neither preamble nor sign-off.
{"hour": 9, "minute": 24}
